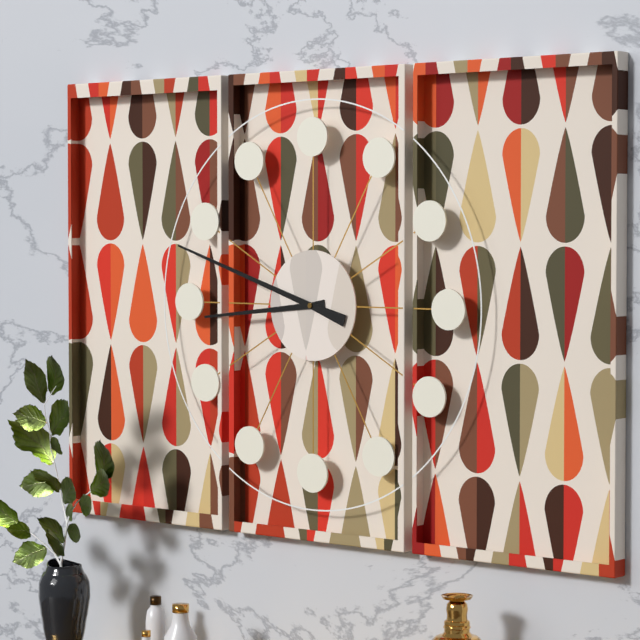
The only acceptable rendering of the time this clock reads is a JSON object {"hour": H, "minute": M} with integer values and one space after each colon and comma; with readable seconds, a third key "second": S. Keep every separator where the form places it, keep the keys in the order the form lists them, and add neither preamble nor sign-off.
{"hour": 8, "minute": 48}
